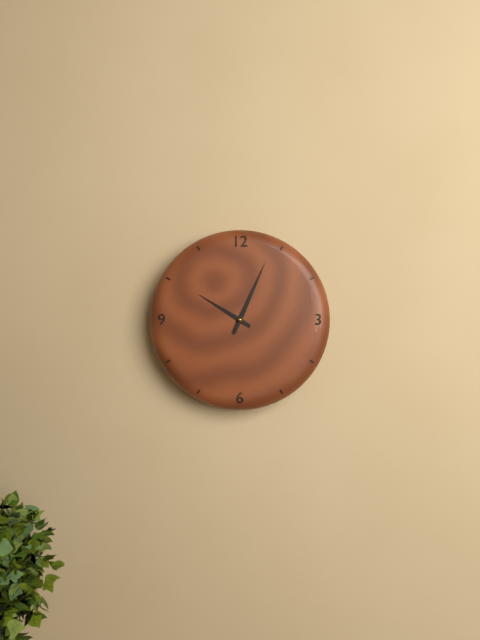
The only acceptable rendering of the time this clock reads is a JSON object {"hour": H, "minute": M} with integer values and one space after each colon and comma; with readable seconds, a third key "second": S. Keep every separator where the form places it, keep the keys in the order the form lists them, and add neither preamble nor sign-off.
{"hour": 10, "minute": 4}
